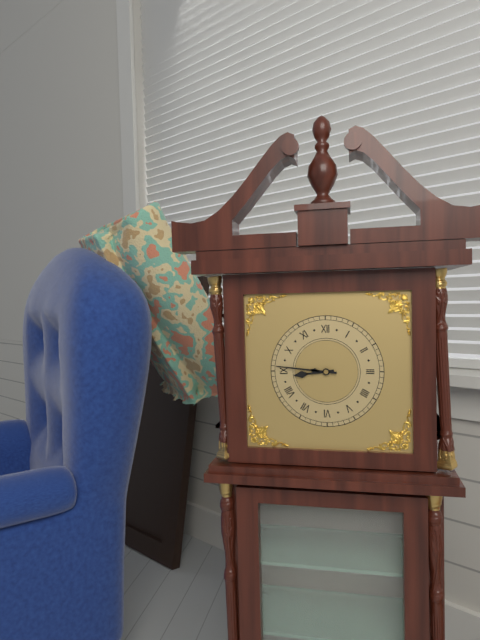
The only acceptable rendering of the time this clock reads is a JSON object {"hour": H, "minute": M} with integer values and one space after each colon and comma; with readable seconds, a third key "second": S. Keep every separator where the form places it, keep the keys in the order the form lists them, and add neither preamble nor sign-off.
{"hour": 8, "minute": 46}
